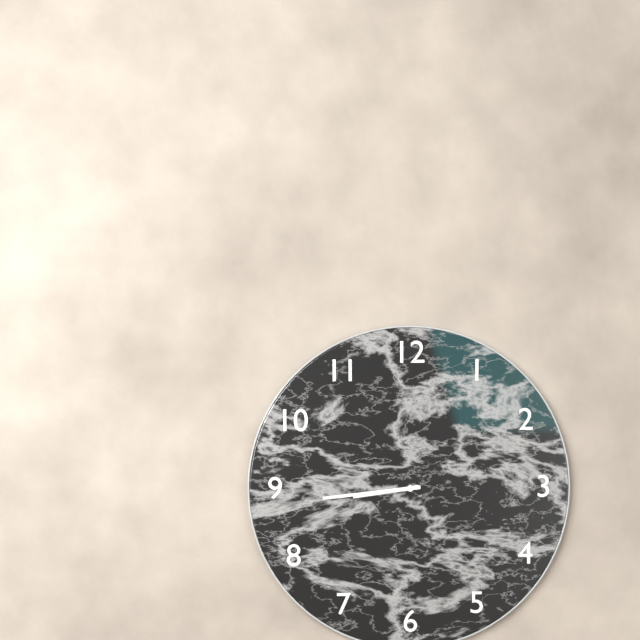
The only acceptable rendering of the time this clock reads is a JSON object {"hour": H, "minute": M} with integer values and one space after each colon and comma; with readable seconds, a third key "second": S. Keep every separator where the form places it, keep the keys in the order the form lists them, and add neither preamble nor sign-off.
{"hour": 8, "minute": 44}
